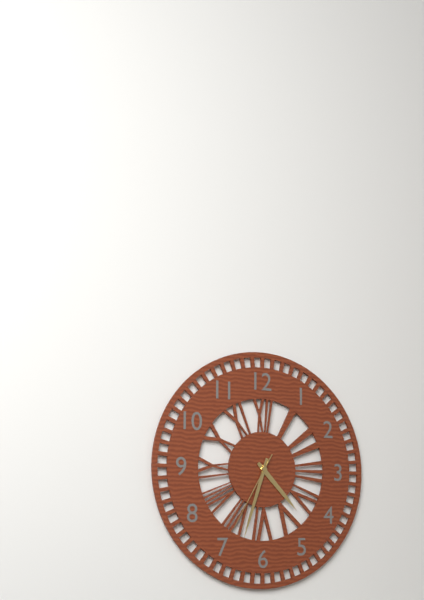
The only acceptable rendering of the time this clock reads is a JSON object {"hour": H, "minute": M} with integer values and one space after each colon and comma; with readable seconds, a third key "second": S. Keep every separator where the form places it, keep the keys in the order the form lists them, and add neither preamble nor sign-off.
{"hour": 4, "minute": 33, "second": 35}
